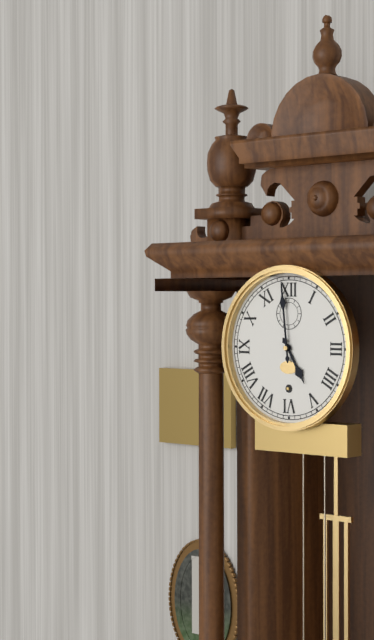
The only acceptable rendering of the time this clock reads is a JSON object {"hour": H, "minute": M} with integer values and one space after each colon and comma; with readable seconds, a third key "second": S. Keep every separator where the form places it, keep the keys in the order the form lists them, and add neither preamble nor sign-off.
{"hour": 4, "minute": 59}
